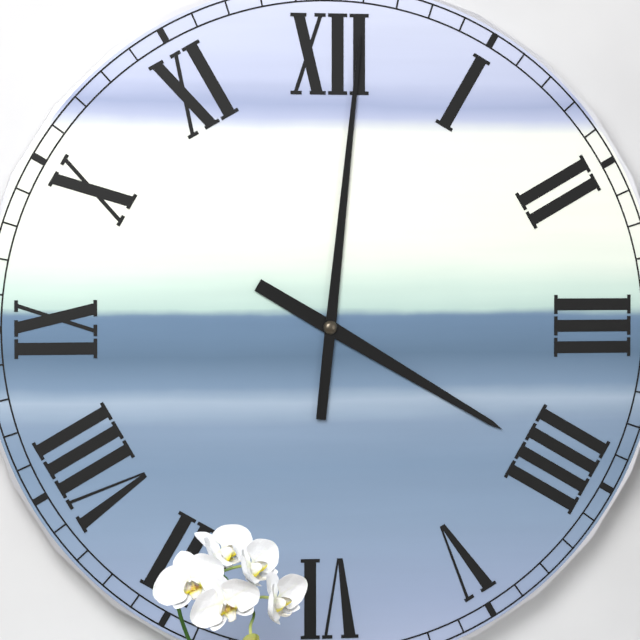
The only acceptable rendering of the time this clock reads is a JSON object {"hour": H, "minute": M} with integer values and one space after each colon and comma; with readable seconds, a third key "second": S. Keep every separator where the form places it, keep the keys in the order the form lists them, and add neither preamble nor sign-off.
{"hour": 4, "minute": 1}
